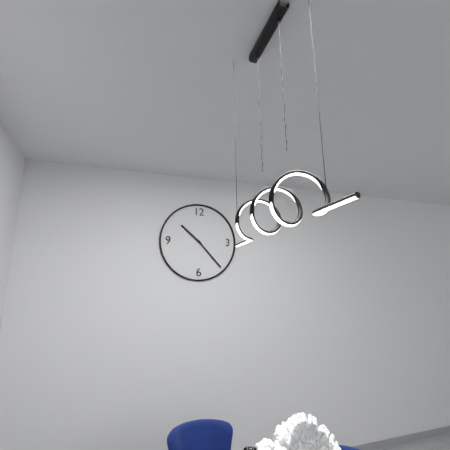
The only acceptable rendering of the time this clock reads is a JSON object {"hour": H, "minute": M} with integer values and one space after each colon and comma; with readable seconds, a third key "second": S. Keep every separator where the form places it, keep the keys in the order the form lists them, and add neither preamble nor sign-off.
{"hour": 10, "minute": 23}
